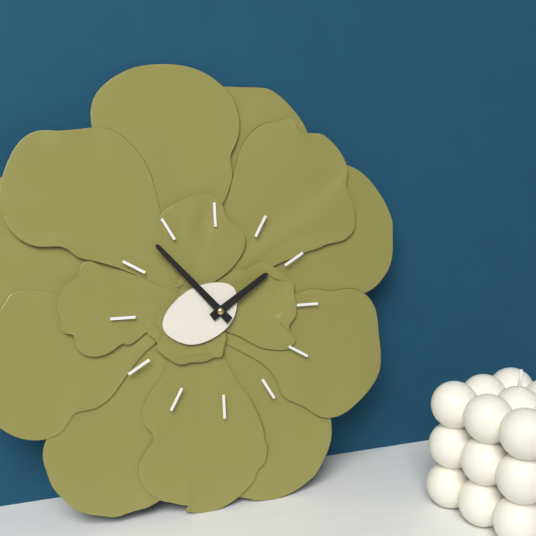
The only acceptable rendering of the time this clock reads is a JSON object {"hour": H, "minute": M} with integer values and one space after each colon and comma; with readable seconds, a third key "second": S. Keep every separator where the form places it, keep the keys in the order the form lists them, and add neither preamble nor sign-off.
{"hour": 1, "minute": 53}
